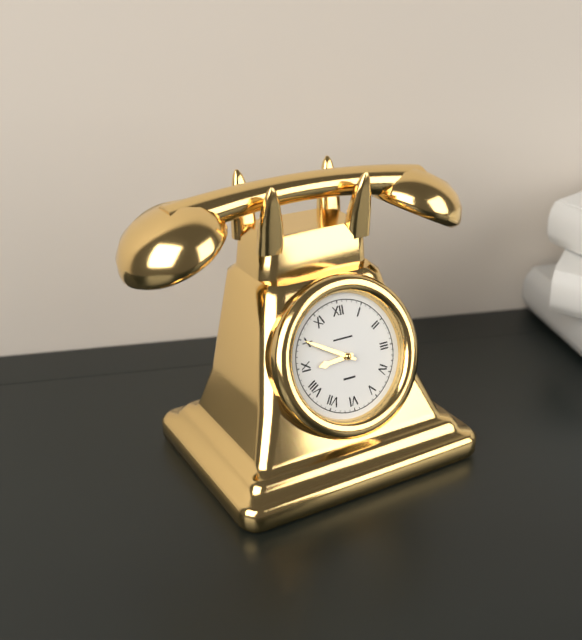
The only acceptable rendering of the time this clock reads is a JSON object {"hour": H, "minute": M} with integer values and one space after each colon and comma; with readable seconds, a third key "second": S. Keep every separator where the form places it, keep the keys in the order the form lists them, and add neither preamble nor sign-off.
{"hour": 8, "minute": 50}
